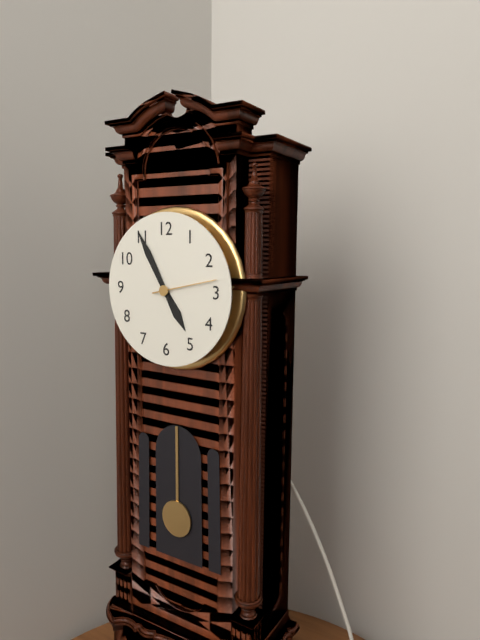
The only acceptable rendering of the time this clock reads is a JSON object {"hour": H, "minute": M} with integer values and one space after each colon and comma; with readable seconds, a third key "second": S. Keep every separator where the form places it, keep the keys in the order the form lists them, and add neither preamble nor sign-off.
{"hour": 4, "minute": 55, "second": 13}
